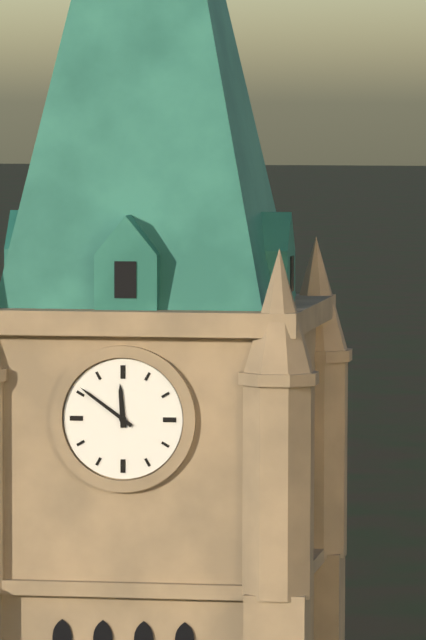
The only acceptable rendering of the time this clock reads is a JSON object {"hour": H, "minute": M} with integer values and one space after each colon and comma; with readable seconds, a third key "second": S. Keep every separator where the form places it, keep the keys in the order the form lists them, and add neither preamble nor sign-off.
{"hour": 11, "minute": 51}
